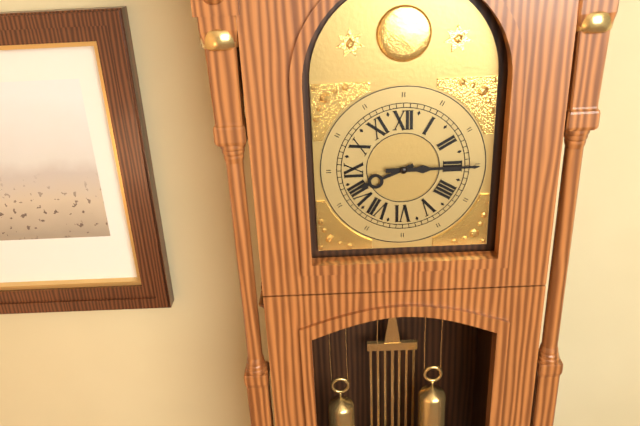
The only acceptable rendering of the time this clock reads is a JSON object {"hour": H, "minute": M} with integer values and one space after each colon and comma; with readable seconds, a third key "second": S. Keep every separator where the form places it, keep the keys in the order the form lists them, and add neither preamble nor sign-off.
{"hour": 8, "minute": 15}
